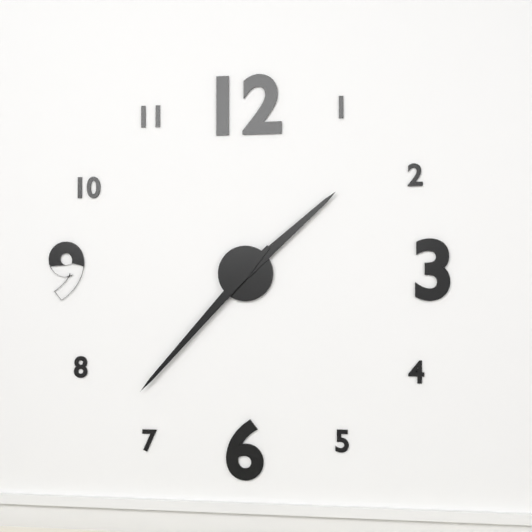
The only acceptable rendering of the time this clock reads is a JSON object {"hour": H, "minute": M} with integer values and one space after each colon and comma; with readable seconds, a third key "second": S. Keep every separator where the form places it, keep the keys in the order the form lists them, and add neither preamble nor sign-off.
{"hour": 1, "minute": 37}
